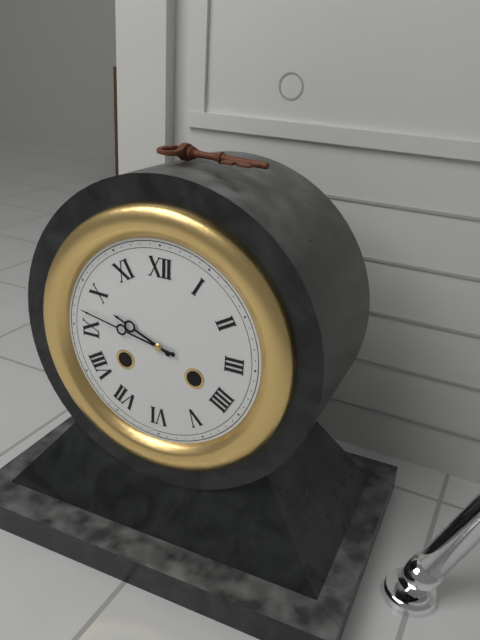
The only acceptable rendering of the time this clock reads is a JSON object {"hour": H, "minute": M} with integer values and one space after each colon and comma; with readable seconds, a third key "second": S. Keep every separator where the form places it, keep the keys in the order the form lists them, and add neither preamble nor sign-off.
{"hour": 9, "minute": 47}
